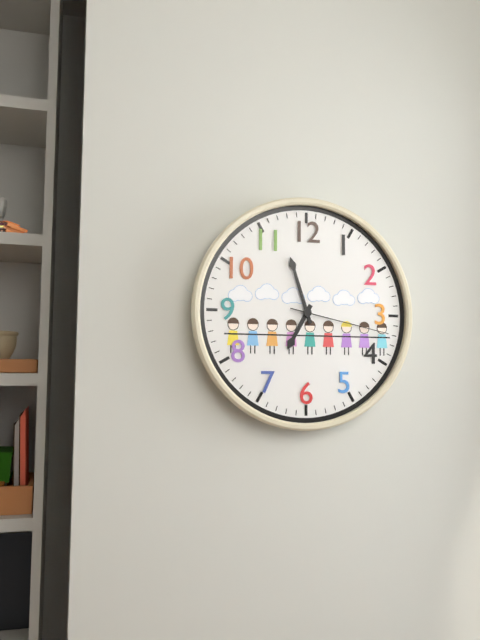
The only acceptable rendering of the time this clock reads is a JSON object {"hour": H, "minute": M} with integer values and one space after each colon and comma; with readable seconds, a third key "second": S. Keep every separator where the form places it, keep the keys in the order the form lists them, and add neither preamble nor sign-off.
{"hour": 6, "minute": 57, "second": 17}
